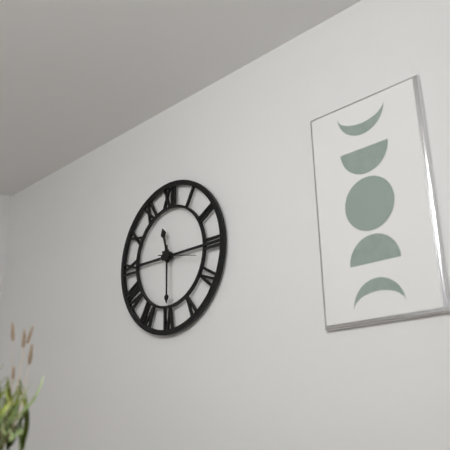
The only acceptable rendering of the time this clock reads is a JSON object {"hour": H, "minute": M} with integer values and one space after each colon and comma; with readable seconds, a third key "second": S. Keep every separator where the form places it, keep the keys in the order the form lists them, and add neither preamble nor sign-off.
{"hour": 11, "minute": 30}
